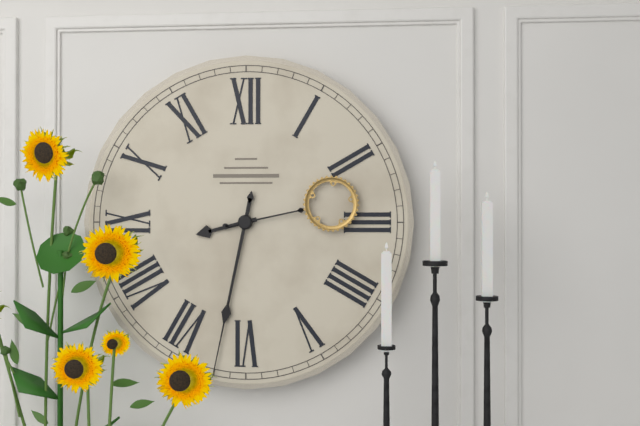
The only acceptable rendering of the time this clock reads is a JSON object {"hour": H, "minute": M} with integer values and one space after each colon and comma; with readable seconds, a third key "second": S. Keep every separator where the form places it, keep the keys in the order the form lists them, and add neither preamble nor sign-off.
{"hour": 8, "minute": 32, "second": 13}
